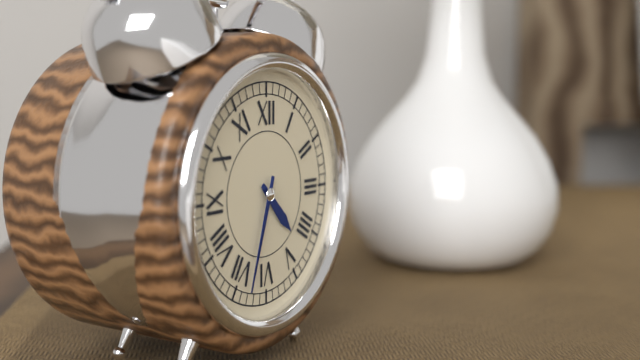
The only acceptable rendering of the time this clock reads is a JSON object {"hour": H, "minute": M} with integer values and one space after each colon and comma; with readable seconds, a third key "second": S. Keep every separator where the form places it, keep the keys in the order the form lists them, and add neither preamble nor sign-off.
{"hour": 4, "minute": 33}
